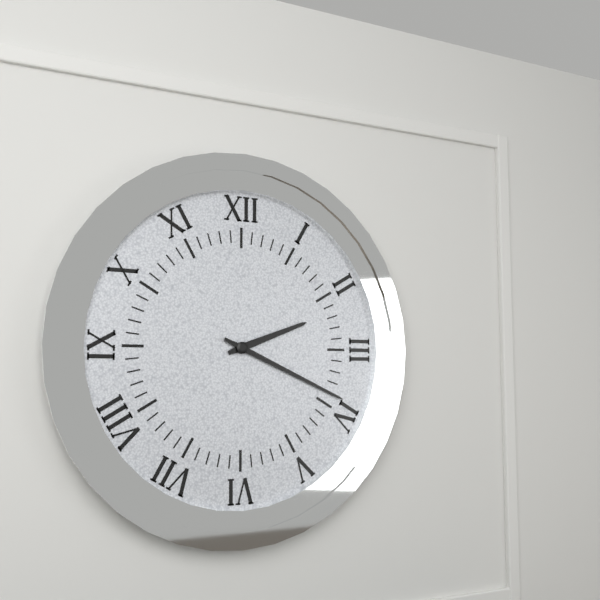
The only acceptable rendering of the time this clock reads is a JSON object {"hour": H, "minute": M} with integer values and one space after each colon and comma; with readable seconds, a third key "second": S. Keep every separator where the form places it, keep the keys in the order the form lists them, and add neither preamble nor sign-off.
{"hour": 2, "minute": 19}
